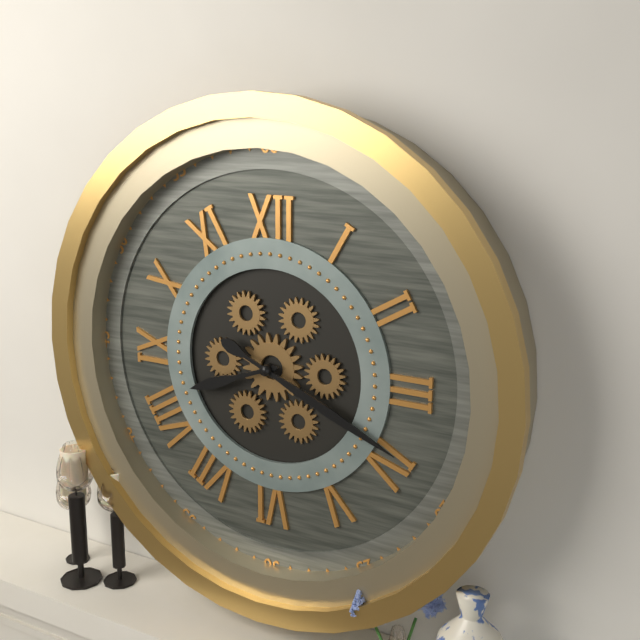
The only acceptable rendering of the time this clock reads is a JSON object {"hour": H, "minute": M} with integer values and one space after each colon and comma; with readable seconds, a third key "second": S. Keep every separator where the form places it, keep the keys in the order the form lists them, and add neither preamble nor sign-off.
{"hour": 8, "minute": 19}
